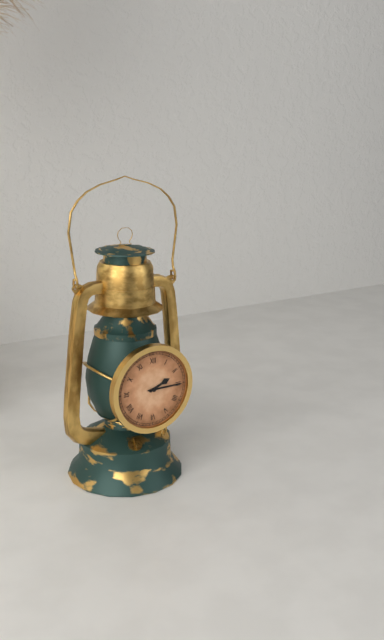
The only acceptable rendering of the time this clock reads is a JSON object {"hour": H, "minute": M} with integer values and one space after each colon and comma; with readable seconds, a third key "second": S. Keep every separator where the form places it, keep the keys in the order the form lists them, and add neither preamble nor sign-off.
{"hour": 2, "minute": 15}
